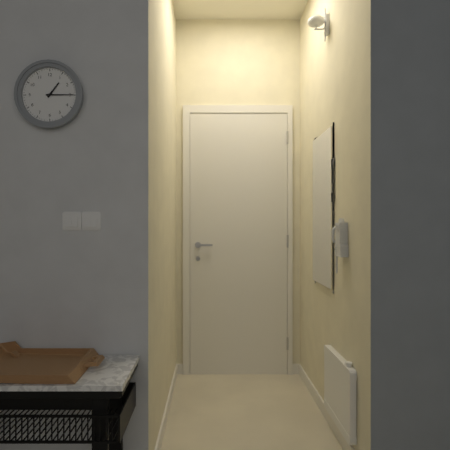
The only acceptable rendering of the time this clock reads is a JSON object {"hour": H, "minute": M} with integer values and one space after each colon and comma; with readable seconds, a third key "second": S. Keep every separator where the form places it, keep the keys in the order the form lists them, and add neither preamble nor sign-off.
{"hour": 1, "minute": 15}
